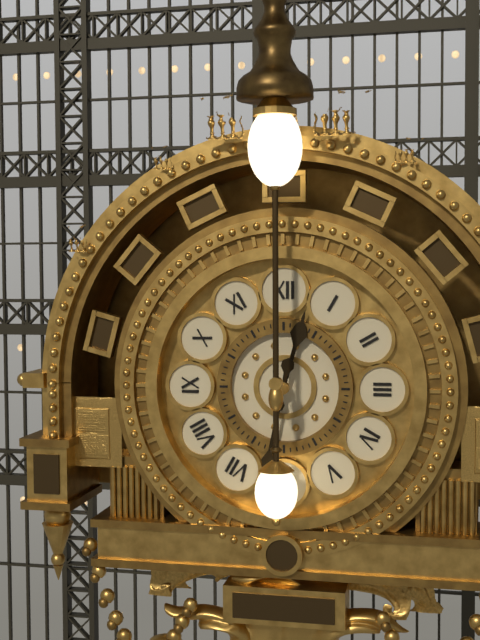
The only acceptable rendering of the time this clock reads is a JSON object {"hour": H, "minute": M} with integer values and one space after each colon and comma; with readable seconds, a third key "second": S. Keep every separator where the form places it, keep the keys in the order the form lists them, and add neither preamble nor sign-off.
{"hour": 12, "minute": 32}
